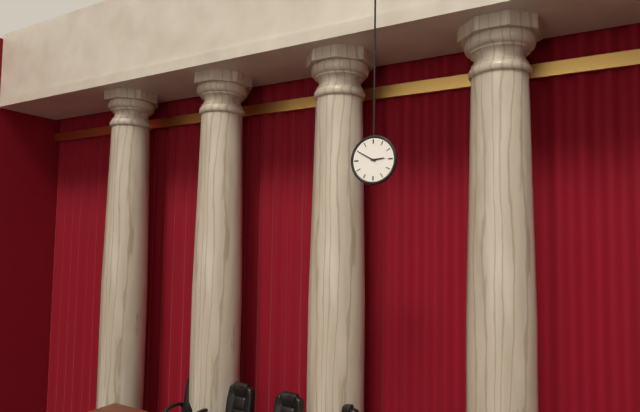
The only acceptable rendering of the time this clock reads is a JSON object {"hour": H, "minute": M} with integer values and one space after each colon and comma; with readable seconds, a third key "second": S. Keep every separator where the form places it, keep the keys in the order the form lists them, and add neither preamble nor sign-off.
{"hour": 2, "minute": 50}
